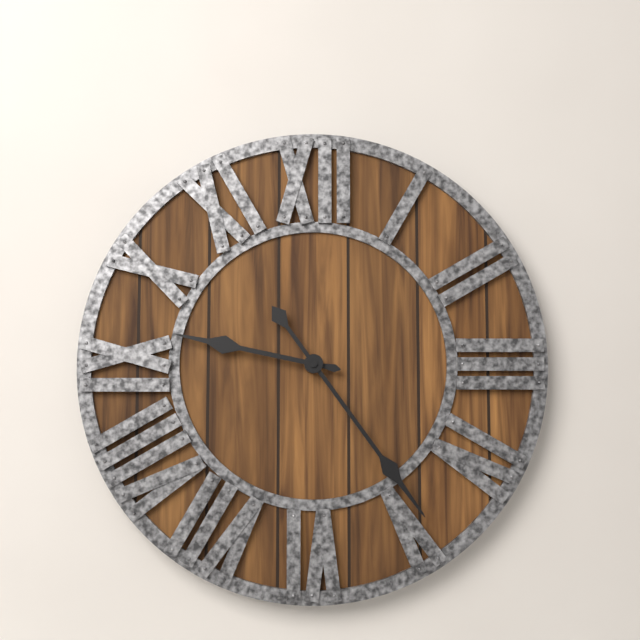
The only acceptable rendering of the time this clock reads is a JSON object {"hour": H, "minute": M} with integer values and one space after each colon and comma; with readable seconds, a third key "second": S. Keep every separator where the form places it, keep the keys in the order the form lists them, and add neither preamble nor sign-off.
{"hour": 9, "minute": 24}
